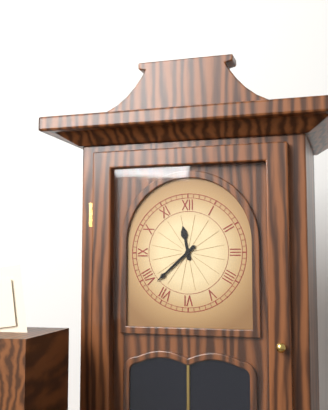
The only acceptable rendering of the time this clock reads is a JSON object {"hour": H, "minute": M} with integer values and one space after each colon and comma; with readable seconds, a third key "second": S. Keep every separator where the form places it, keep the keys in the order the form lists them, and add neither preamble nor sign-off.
{"hour": 11, "minute": 38}
